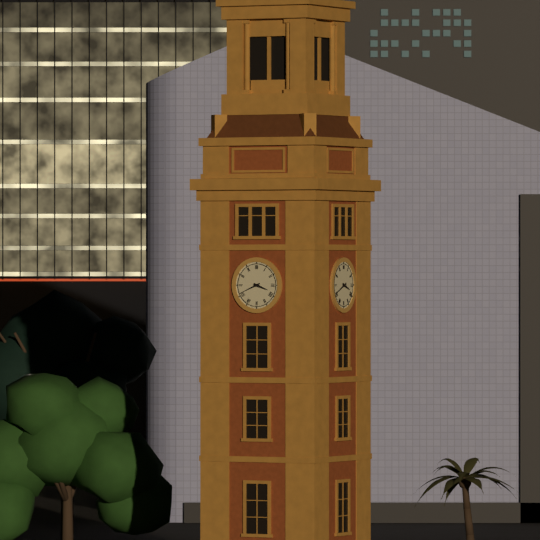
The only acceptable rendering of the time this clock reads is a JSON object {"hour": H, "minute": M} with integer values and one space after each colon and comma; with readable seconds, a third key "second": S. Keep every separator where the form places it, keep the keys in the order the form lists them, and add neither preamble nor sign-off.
{"hour": 3, "minute": 41}
